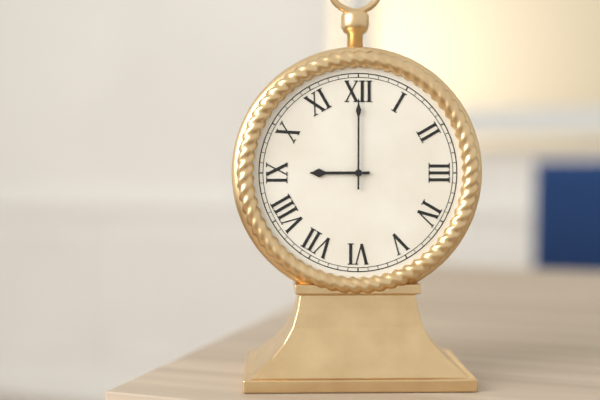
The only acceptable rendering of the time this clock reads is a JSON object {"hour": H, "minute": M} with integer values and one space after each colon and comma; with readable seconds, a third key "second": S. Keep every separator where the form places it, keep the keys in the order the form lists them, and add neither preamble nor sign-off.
{"hour": 9, "minute": 0}
